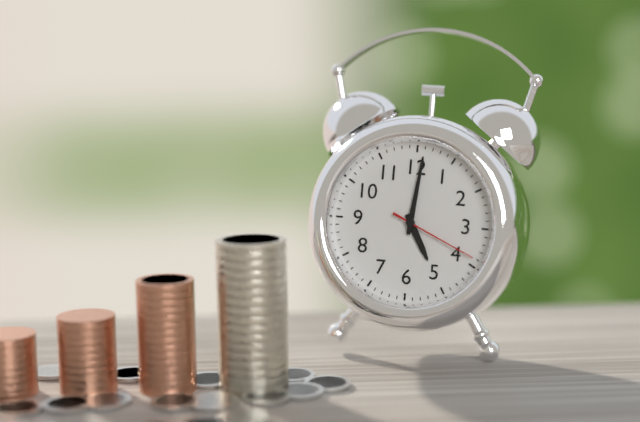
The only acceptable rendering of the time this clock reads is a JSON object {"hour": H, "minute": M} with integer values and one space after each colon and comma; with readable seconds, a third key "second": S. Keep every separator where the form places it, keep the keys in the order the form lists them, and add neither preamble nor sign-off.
{"hour": 5, "minute": 1, "second": 19}
